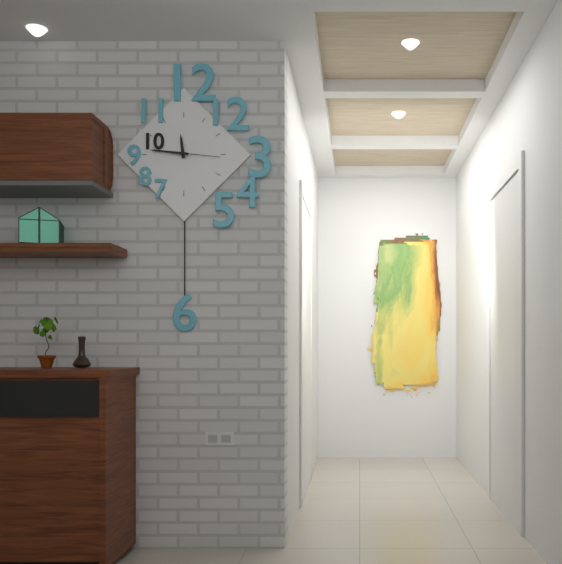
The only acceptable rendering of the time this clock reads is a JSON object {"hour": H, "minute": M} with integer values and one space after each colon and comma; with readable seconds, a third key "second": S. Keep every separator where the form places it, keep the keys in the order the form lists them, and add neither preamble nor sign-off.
{"hour": 11, "minute": 46}
